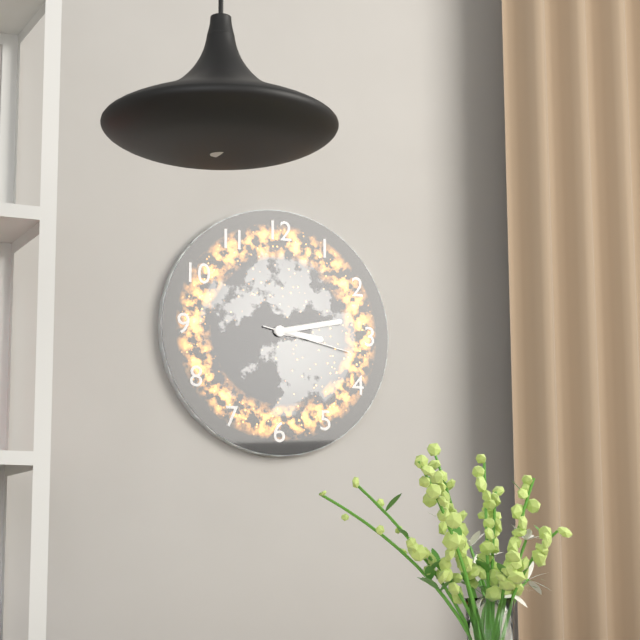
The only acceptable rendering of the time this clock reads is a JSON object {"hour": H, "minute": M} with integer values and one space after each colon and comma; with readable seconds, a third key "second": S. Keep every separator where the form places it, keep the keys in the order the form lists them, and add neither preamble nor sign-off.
{"hour": 3, "minute": 13, "second": 17}
